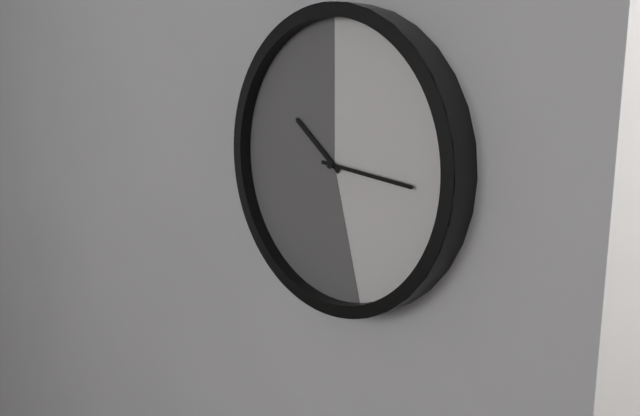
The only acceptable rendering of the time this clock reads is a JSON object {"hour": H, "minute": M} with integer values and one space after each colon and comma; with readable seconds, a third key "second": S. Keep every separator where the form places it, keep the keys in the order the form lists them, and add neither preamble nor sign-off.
{"hour": 10, "minute": 16}
